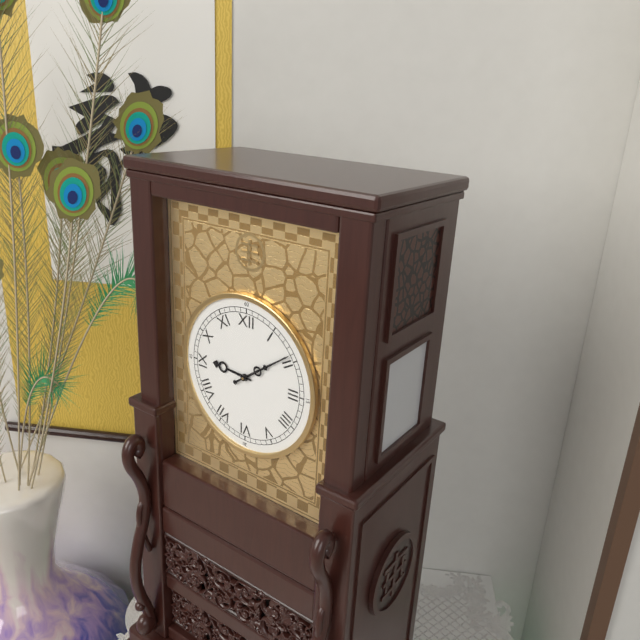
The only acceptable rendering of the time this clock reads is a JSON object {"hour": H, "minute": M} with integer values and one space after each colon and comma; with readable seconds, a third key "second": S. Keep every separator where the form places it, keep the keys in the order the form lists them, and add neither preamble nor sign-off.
{"hour": 9, "minute": 9}
